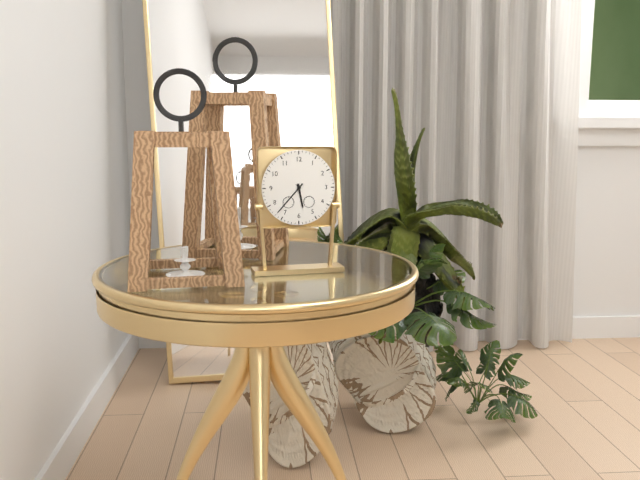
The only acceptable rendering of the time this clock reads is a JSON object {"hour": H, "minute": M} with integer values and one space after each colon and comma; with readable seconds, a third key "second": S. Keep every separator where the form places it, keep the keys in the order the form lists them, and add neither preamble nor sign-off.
{"hour": 5, "minute": 37}
